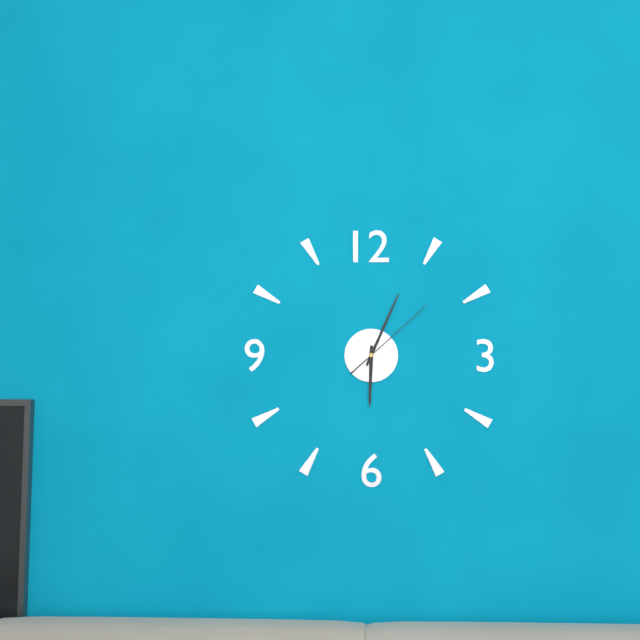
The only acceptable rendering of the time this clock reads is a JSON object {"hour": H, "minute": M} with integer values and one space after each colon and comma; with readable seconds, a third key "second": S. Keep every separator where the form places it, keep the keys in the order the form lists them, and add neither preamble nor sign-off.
{"hour": 6, "minute": 4, "second": 8}
